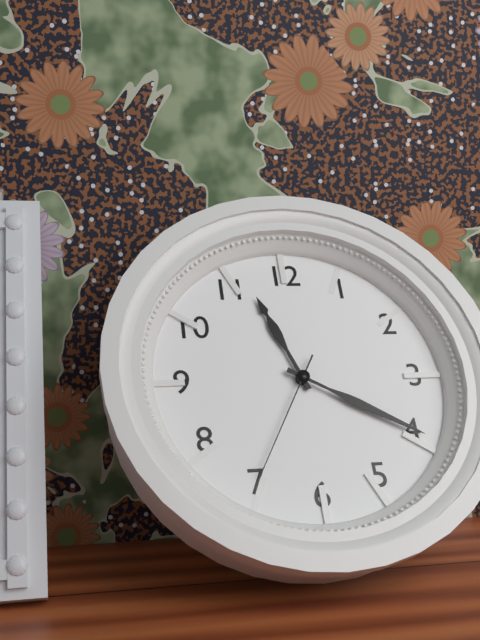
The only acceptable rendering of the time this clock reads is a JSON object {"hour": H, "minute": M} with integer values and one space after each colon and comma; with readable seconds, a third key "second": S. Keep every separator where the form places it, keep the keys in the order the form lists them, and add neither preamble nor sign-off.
{"hour": 11, "minute": 20, "second": 35}
